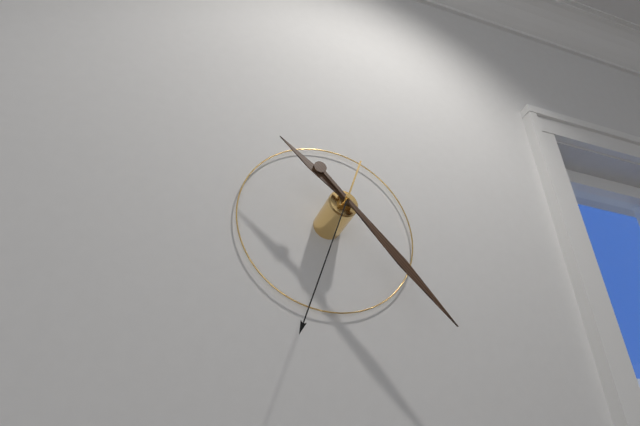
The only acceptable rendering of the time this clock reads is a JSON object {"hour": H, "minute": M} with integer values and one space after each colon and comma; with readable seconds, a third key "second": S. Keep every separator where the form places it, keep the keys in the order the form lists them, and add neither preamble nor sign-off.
{"hour": 10, "minute": 23, "second": 33}
